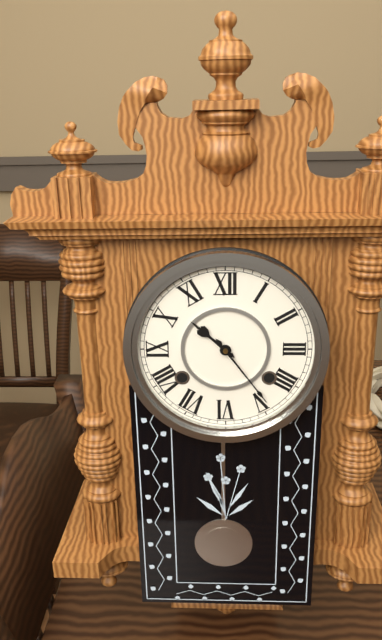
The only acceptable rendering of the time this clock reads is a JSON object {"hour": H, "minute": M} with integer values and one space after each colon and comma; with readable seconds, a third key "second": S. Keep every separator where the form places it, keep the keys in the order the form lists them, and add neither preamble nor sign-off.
{"hour": 10, "minute": 24}
